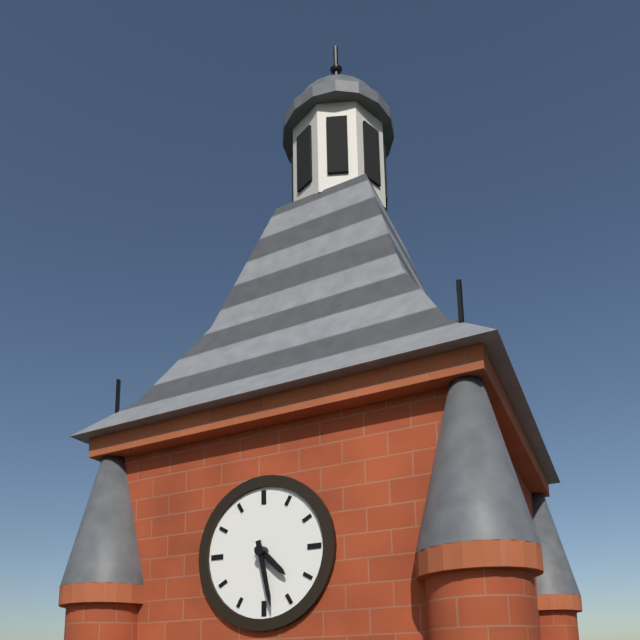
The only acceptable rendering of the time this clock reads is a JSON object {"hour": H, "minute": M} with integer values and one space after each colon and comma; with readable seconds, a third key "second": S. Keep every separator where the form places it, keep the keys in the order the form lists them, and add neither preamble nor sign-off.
{"hour": 4, "minute": 28}
